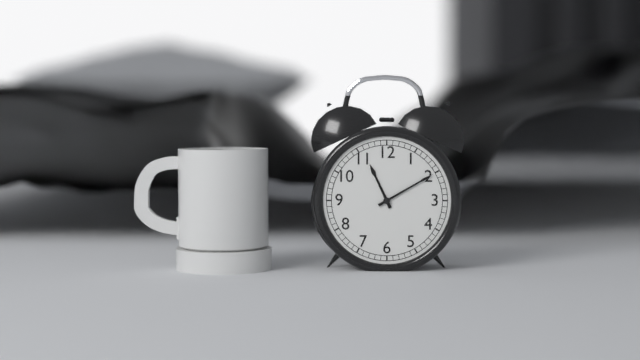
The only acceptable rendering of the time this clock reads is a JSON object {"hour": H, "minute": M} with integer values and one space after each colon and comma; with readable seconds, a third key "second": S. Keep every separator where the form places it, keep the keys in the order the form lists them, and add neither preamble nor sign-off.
{"hour": 11, "minute": 10}
